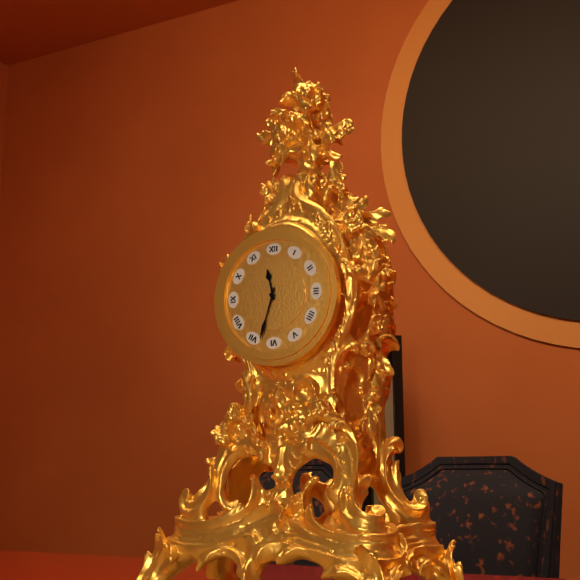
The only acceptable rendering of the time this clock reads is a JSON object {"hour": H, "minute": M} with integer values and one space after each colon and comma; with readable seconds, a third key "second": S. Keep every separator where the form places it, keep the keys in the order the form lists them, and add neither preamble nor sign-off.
{"hour": 11, "minute": 33}
